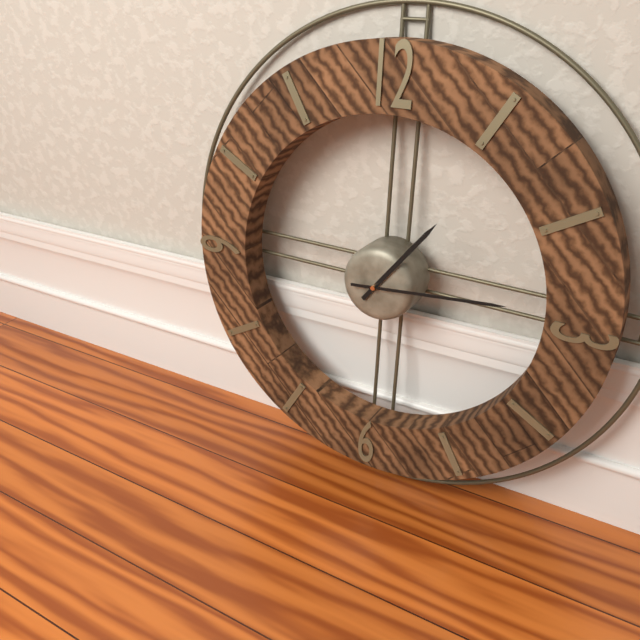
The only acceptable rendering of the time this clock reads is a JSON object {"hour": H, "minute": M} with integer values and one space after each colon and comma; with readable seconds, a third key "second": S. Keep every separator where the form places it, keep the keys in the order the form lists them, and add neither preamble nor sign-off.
{"hour": 1, "minute": 14}
